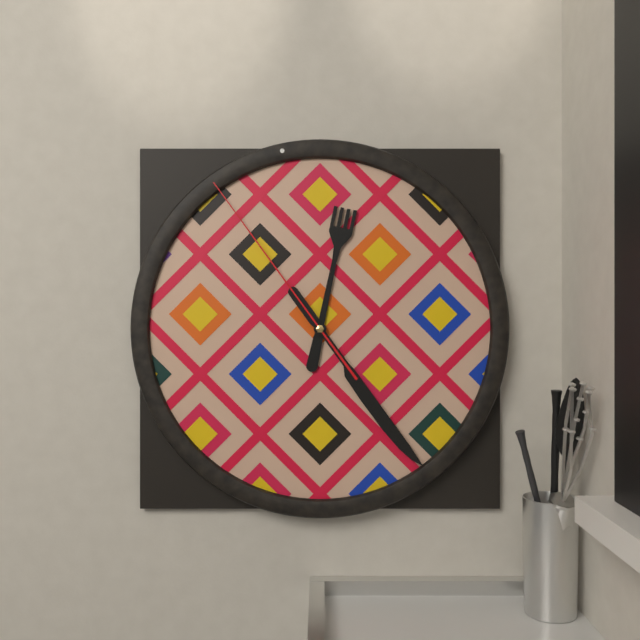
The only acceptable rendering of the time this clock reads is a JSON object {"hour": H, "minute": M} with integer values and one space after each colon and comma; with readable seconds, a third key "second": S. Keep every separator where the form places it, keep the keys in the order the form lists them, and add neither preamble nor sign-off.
{"hour": 12, "minute": 24, "second": 54}
